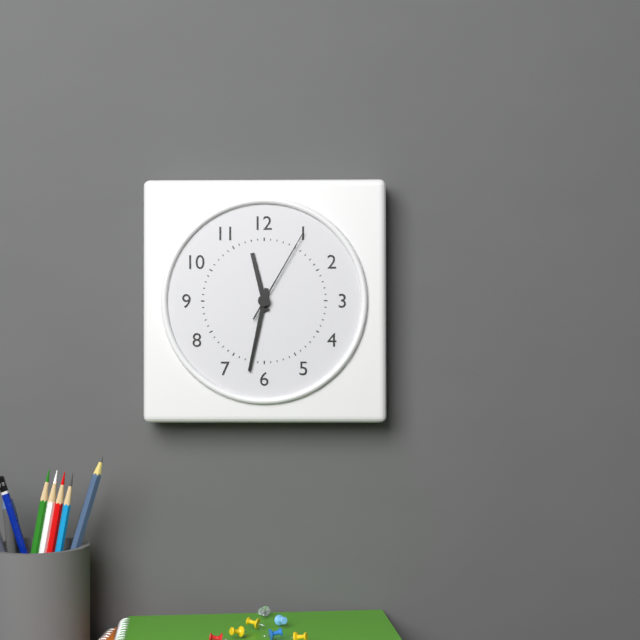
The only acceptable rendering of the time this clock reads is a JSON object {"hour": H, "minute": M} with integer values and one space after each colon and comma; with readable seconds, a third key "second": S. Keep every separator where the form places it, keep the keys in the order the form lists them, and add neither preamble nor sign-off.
{"hour": 11, "minute": 32, "second": 5}
